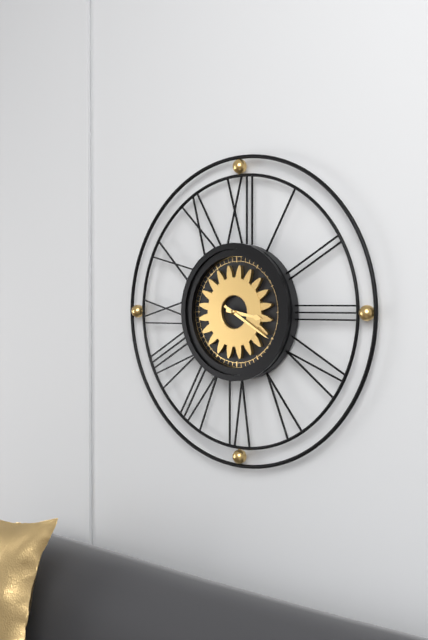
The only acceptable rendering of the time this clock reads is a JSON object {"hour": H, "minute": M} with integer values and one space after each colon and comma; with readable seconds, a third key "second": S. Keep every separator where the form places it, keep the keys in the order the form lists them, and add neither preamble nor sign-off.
{"hour": 3, "minute": 20}
